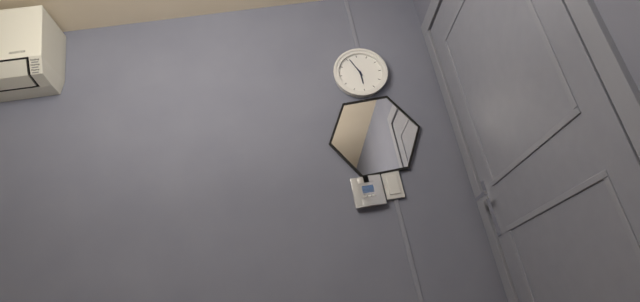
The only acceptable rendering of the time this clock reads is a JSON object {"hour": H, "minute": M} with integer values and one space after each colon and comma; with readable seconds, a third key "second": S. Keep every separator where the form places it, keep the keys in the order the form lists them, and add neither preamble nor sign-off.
{"hour": 5, "minute": 56}
